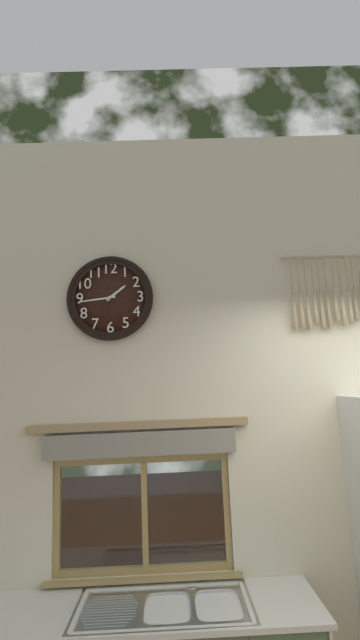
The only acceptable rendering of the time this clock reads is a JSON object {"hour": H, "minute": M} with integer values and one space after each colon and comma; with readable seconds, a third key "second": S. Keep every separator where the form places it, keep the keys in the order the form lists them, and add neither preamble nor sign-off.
{"hour": 1, "minute": 44}
